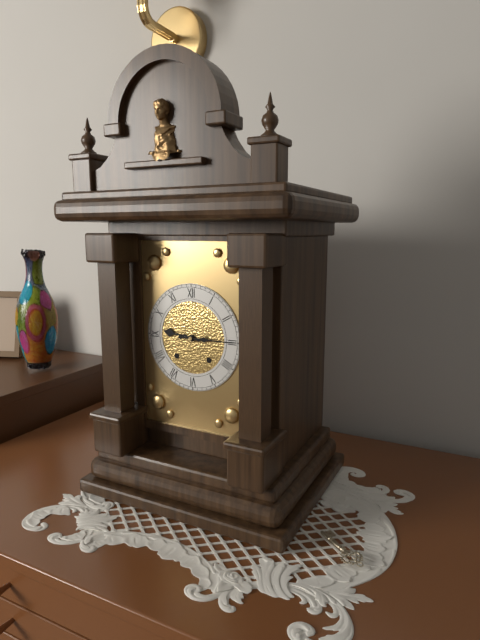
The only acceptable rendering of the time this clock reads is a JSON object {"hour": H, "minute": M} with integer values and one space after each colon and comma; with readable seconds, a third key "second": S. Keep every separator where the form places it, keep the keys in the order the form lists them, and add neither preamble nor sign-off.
{"hour": 9, "minute": 15}
